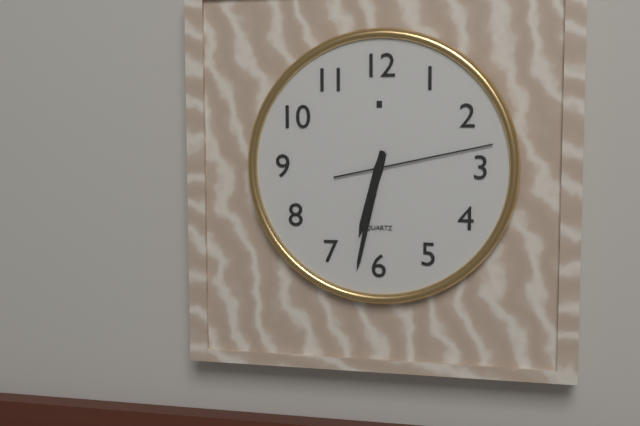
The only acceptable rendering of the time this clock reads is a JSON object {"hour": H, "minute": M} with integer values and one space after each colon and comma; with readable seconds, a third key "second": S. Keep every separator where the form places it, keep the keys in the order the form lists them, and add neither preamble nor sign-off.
{"hour": 6, "minute": 32, "second": 13}
